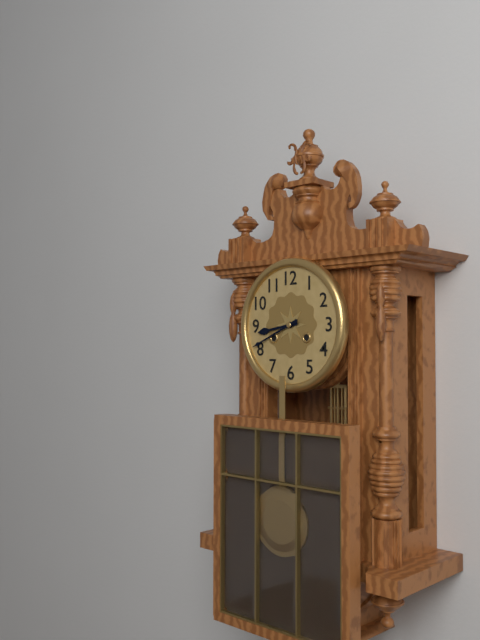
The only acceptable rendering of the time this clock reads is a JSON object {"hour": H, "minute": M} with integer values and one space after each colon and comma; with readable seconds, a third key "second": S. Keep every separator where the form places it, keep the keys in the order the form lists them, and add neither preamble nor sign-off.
{"hour": 8, "minute": 41}
